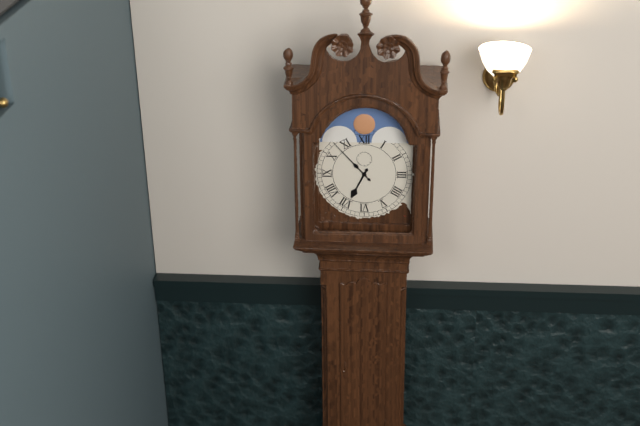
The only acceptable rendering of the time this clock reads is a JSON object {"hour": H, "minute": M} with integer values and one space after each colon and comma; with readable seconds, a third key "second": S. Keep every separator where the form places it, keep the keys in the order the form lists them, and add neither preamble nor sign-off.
{"hour": 6, "minute": 53}
